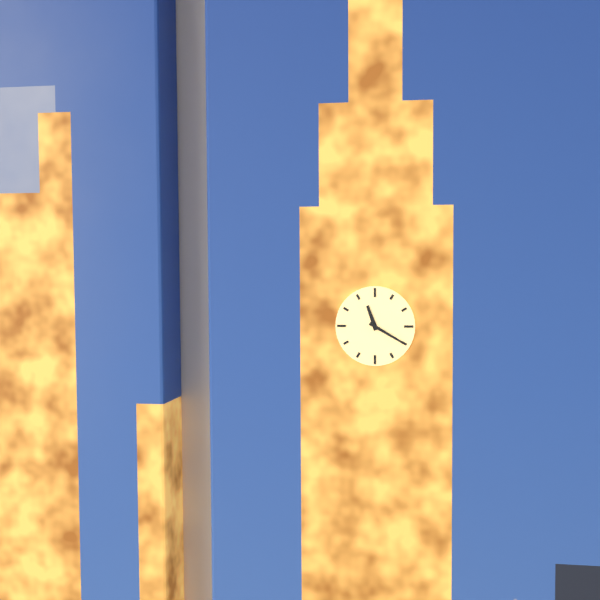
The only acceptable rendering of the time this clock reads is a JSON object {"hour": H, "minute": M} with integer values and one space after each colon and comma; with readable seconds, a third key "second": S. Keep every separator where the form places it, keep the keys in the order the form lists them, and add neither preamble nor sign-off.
{"hour": 11, "minute": 20}
